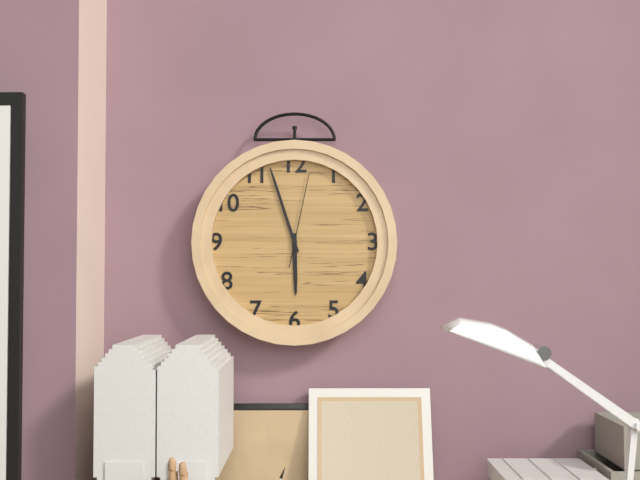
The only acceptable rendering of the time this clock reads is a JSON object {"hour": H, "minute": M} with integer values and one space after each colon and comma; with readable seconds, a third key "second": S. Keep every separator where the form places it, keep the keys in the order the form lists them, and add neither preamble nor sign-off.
{"hour": 5, "minute": 57, "second": 2}
